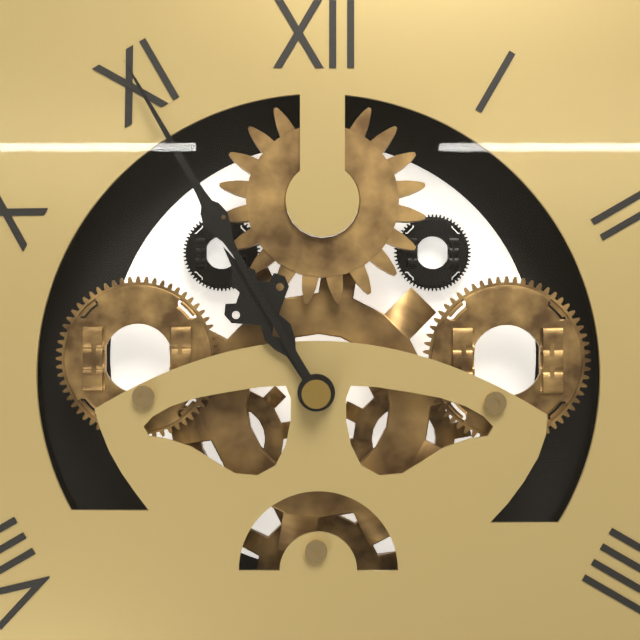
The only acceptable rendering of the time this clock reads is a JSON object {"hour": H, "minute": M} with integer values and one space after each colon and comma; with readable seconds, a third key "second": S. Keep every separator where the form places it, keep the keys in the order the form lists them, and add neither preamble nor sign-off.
{"hour": 10, "minute": 55}
